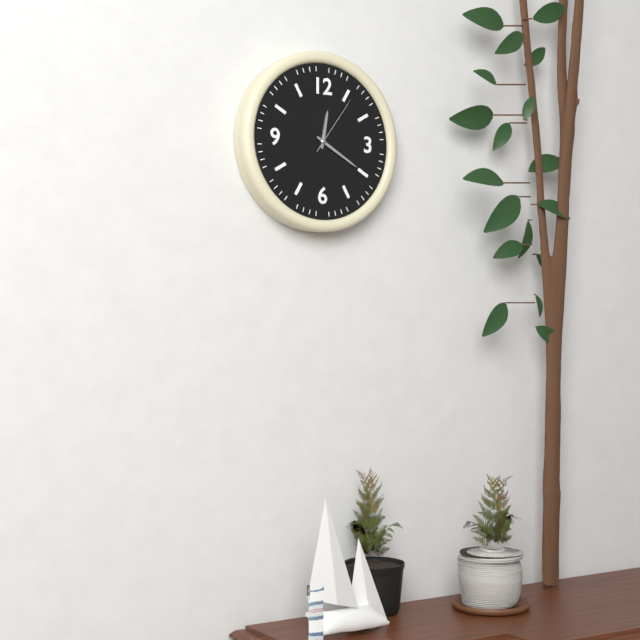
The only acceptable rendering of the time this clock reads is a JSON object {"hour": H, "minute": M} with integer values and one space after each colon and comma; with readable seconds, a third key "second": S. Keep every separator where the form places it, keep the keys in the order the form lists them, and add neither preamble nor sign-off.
{"hour": 12, "minute": 20, "second": 6}
